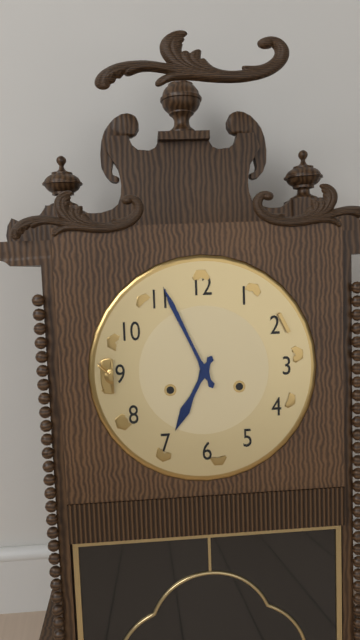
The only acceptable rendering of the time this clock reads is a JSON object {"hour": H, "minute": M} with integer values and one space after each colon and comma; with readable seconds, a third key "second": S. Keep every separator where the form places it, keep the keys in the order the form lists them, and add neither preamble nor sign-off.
{"hour": 6, "minute": 56}
